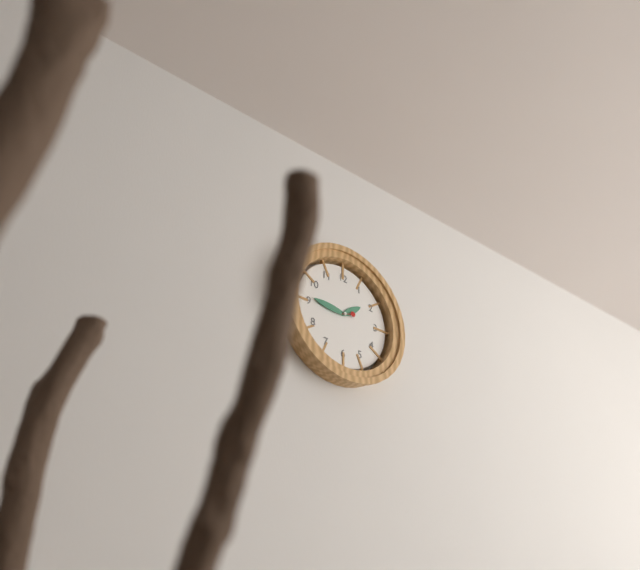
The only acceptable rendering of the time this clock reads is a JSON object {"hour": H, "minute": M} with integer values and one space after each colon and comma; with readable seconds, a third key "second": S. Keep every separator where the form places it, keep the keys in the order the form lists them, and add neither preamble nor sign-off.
{"hour": 1, "minute": 46}
